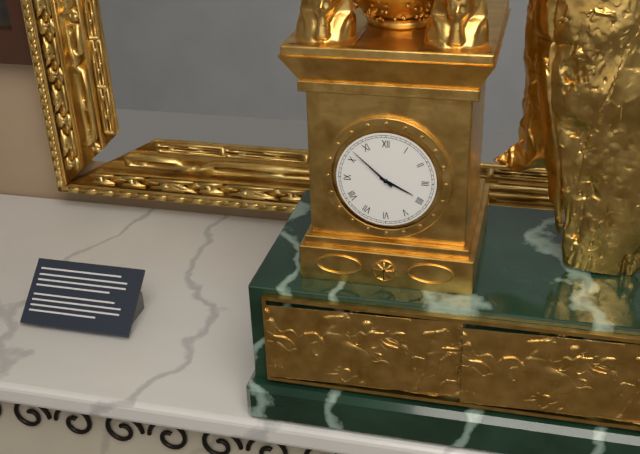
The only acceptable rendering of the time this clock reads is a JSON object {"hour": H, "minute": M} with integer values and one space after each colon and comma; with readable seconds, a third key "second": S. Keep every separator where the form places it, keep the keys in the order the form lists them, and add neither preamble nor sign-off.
{"hour": 3, "minute": 52}
